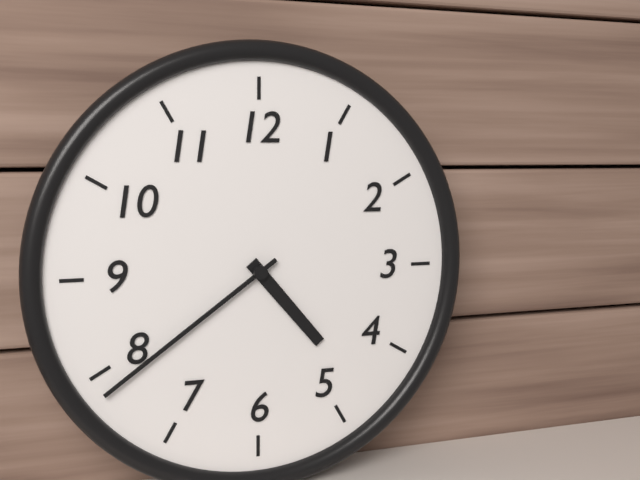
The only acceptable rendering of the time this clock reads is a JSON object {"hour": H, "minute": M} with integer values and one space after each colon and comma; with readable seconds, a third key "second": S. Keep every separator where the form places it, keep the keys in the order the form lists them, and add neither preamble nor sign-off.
{"hour": 4, "minute": 39}
